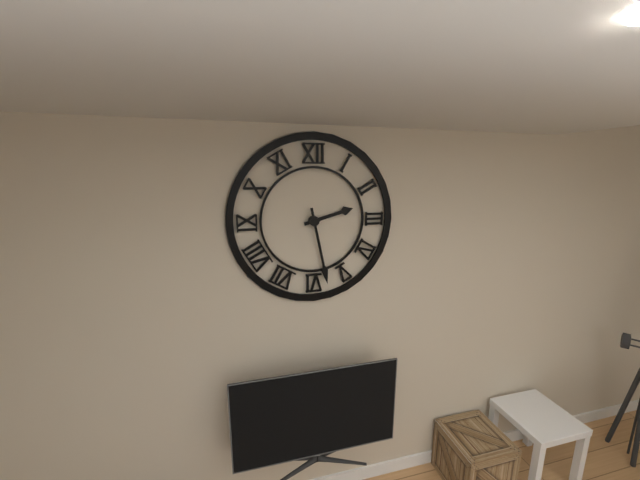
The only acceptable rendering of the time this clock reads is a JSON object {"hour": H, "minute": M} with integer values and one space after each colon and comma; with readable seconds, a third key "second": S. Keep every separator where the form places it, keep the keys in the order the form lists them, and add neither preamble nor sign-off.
{"hour": 2, "minute": 28}
